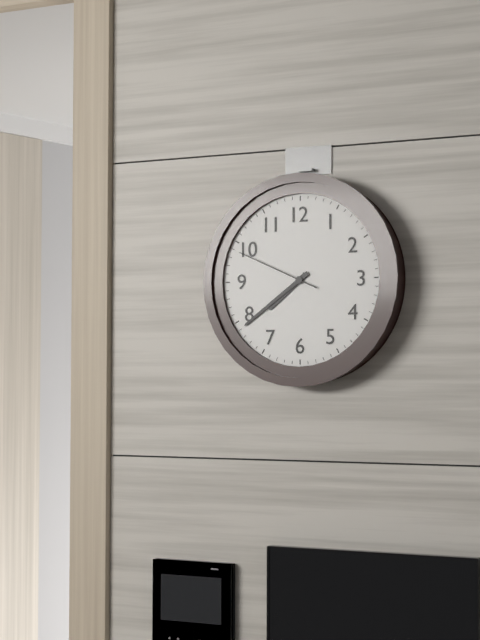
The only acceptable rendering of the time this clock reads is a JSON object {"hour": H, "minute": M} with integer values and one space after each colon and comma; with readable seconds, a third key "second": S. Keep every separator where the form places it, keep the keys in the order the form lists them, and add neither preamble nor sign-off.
{"hour": 7, "minute": 39, "second": 49}
